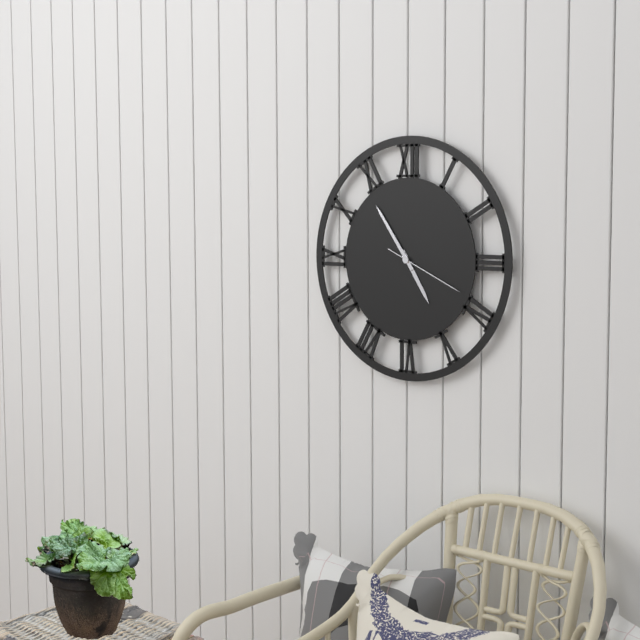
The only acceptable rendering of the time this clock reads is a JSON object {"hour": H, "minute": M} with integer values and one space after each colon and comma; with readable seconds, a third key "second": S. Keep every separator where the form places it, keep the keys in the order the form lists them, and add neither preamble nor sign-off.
{"hour": 4, "minute": 54, "second": 19}
